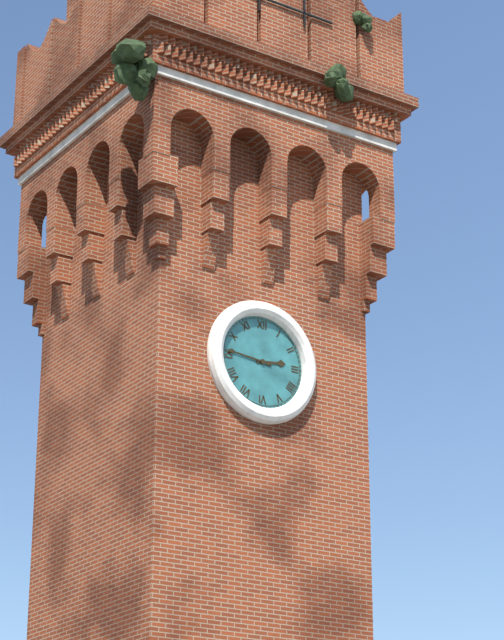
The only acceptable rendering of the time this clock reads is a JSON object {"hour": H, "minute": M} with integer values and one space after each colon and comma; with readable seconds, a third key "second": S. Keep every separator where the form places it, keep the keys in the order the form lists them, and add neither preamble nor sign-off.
{"hour": 2, "minute": 46}
